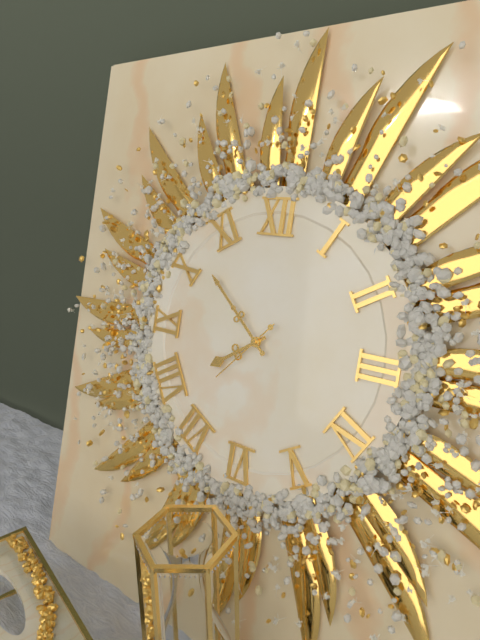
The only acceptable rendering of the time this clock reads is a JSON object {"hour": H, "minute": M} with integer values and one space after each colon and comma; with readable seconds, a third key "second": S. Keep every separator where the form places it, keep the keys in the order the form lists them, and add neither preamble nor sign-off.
{"hour": 7, "minute": 52, "second": 37}
